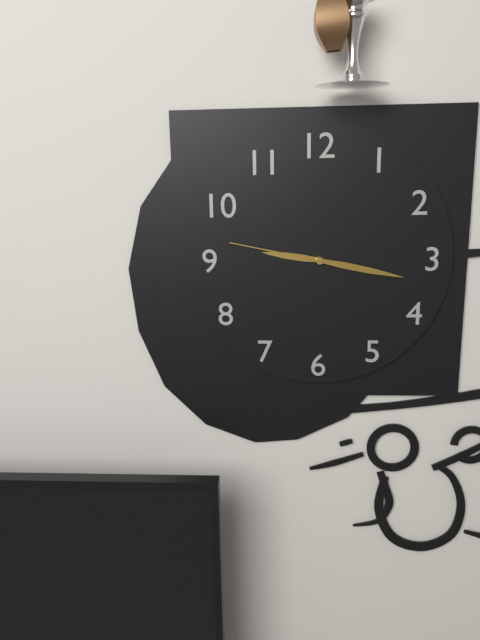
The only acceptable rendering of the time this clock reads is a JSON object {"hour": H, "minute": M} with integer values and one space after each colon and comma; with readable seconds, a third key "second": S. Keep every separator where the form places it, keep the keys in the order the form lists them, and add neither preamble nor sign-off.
{"hour": 9, "minute": 17, "second": 47}
